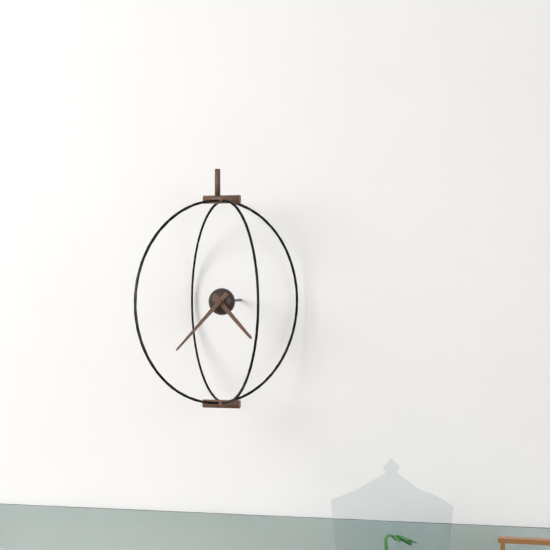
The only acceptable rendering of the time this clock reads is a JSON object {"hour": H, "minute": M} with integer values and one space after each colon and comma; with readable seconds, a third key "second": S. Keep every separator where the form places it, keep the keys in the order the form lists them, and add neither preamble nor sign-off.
{"hour": 4, "minute": 37}
